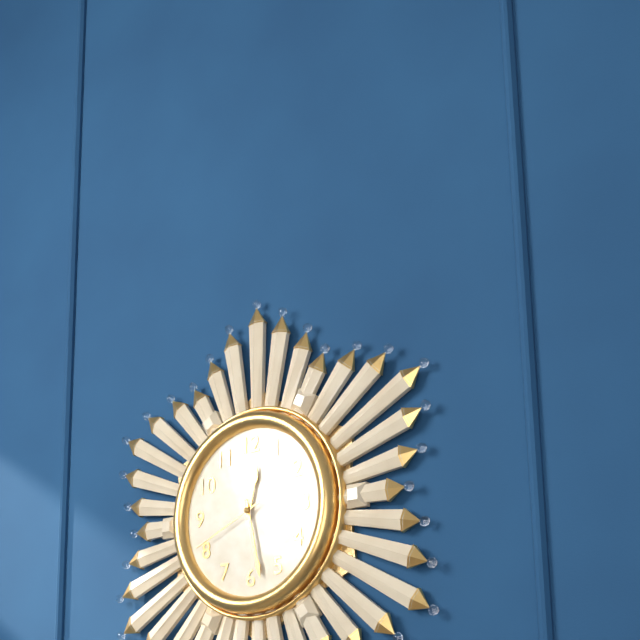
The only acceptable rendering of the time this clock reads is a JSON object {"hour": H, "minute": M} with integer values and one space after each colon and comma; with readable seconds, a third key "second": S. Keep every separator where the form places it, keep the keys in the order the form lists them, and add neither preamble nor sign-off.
{"hour": 12, "minute": 28, "second": 41}
